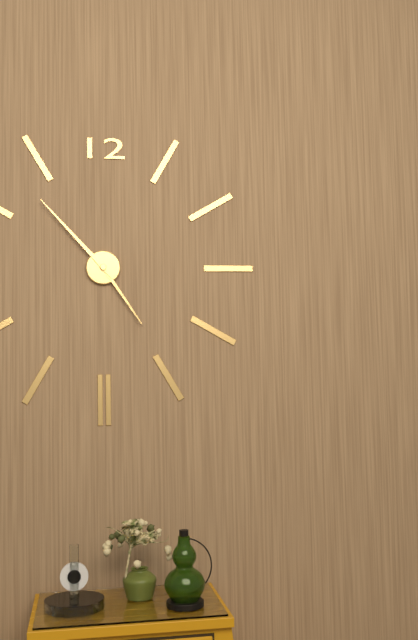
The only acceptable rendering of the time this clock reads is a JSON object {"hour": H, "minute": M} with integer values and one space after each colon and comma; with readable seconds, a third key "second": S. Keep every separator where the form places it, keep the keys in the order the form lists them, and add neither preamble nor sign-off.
{"hour": 4, "minute": 53}
